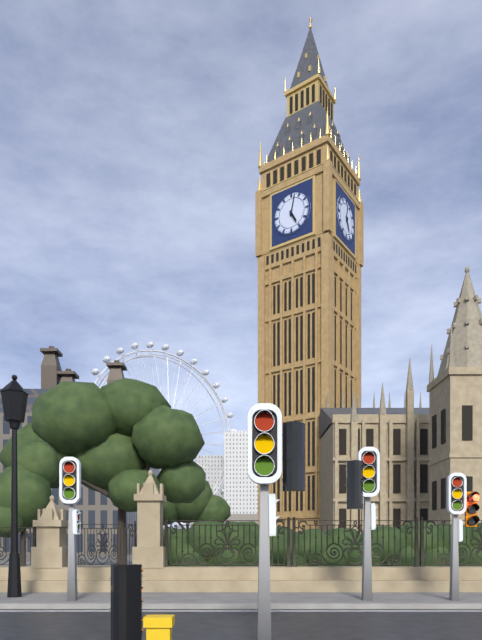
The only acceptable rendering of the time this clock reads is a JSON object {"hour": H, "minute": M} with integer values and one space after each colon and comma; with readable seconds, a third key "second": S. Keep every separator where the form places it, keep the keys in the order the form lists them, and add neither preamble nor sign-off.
{"hour": 5, "minute": 2}
